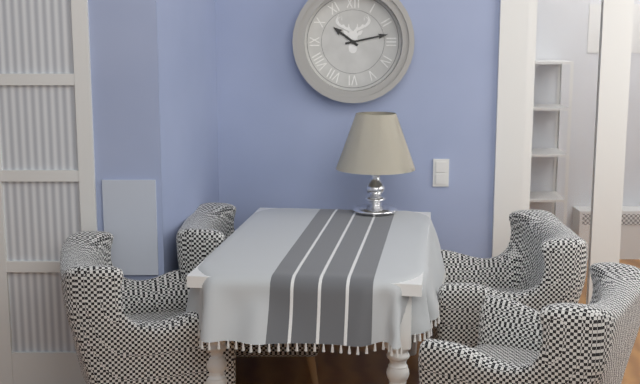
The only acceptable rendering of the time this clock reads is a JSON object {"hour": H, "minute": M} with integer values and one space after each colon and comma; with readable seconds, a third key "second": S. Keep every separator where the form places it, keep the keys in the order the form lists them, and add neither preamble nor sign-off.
{"hour": 10, "minute": 13}
